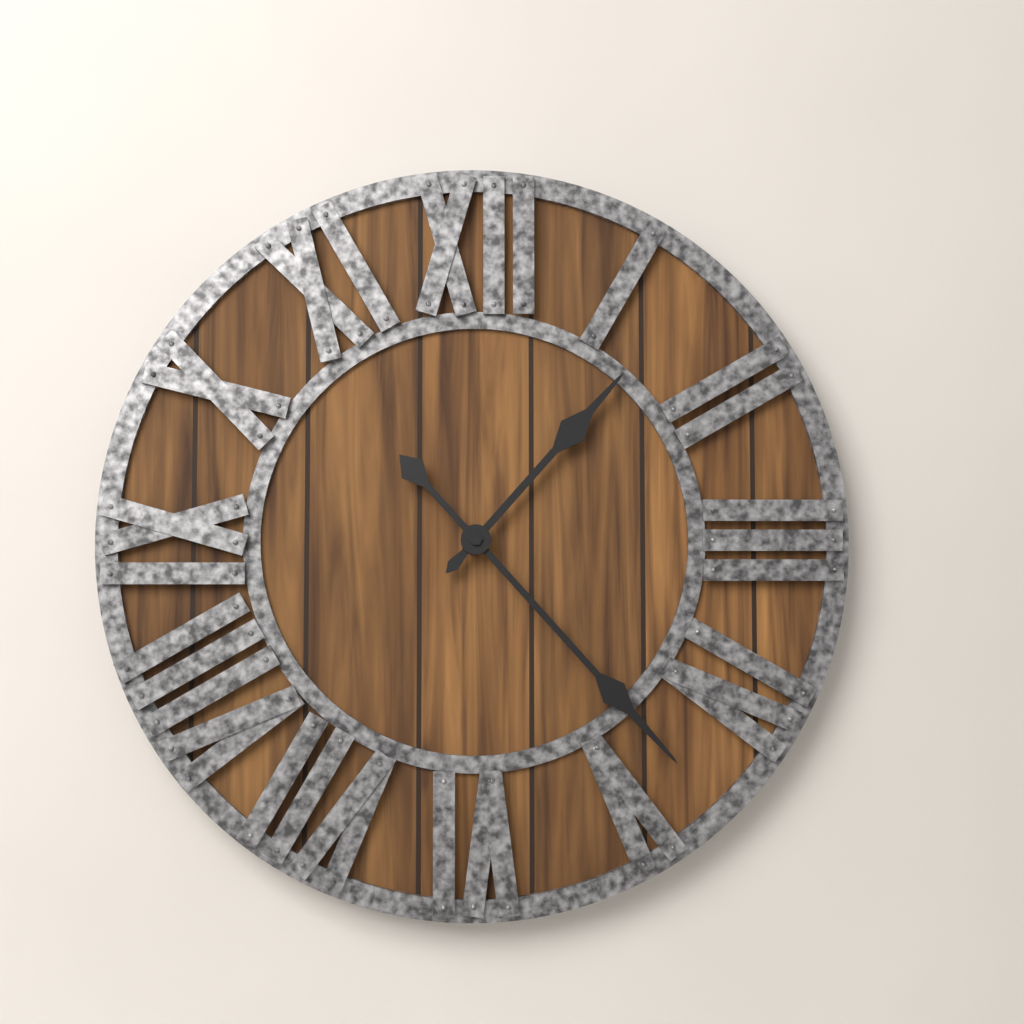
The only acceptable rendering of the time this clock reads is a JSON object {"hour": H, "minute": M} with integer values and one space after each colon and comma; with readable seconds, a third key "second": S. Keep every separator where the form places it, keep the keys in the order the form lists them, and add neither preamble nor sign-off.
{"hour": 1, "minute": 23}
